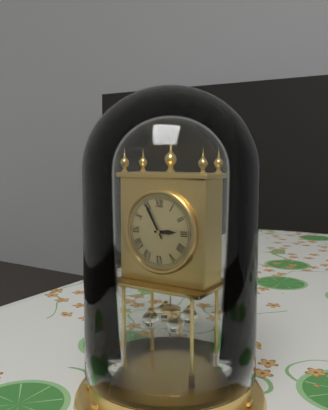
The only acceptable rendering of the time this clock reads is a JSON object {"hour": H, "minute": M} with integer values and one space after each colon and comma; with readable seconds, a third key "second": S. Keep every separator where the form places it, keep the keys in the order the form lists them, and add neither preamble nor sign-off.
{"hour": 2, "minute": 55}
